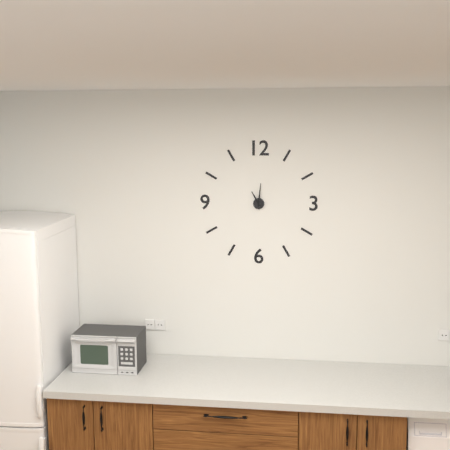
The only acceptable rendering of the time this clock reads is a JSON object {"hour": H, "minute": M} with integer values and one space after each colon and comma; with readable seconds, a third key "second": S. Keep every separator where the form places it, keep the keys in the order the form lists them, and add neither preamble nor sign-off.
{"hour": 11, "minute": 1}
